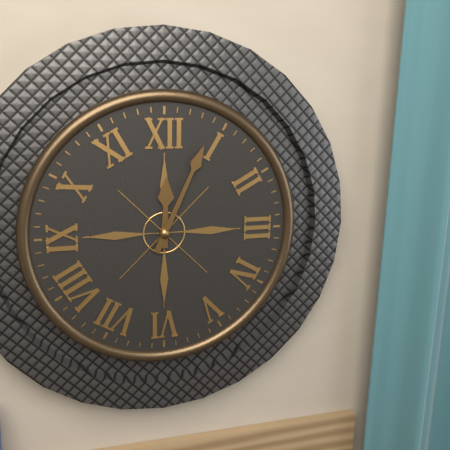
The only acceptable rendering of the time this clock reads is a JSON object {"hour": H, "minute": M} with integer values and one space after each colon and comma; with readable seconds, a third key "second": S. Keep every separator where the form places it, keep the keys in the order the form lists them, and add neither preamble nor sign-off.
{"hour": 12, "minute": 4}
